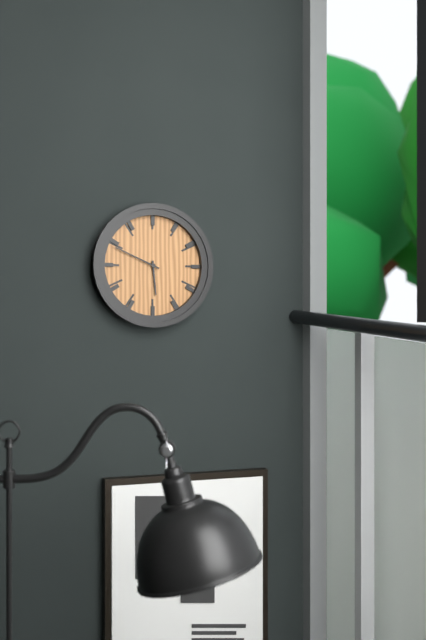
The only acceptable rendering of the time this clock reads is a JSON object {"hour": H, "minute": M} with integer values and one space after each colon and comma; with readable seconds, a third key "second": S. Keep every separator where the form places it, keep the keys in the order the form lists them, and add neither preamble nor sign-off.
{"hour": 5, "minute": 49}
